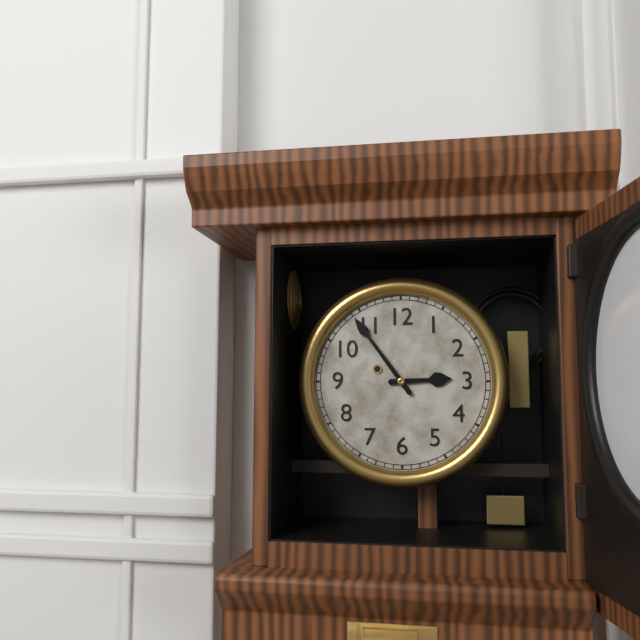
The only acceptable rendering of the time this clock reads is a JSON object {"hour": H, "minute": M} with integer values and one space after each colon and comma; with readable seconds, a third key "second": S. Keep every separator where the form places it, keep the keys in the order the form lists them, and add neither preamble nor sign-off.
{"hour": 2, "minute": 54}
